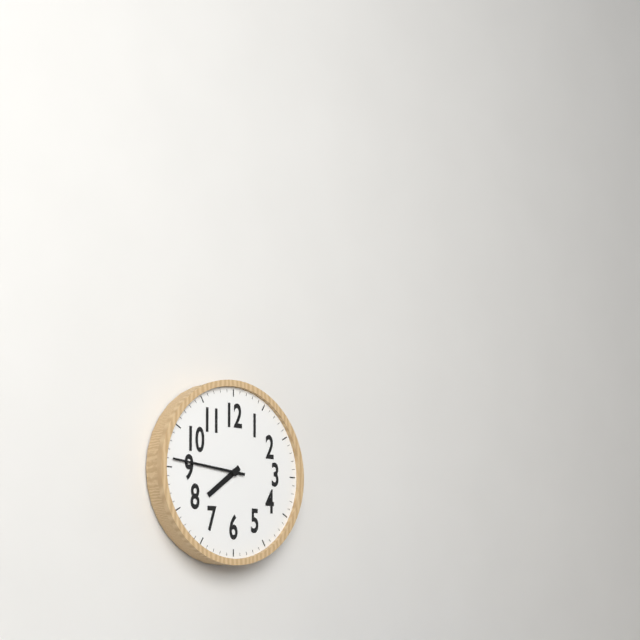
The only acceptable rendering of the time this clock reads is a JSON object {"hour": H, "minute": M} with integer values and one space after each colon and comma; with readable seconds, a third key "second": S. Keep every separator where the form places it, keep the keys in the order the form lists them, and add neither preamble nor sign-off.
{"hour": 7, "minute": 46}
